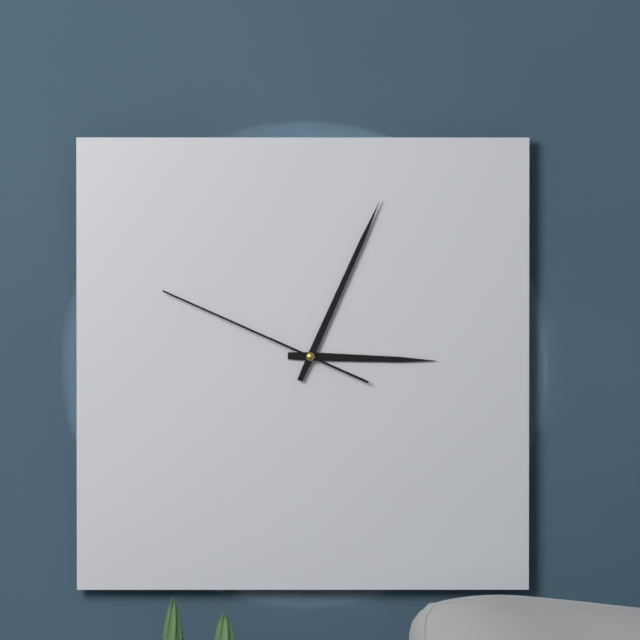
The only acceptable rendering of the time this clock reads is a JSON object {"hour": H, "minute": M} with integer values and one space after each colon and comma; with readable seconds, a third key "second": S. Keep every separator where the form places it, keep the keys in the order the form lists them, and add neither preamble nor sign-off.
{"hour": 3, "minute": 4, "second": 49}
